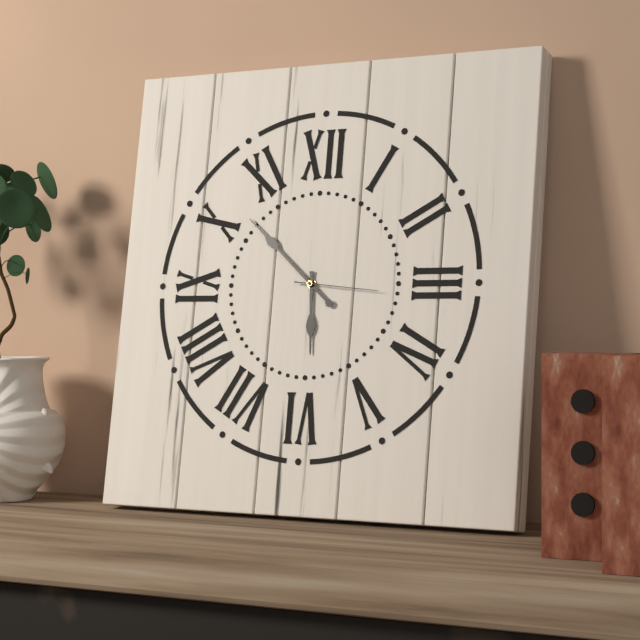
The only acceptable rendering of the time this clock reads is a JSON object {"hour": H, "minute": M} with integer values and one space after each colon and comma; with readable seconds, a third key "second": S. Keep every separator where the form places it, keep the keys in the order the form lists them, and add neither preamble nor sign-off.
{"hour": 5, "minute": 52, "second": 16}
